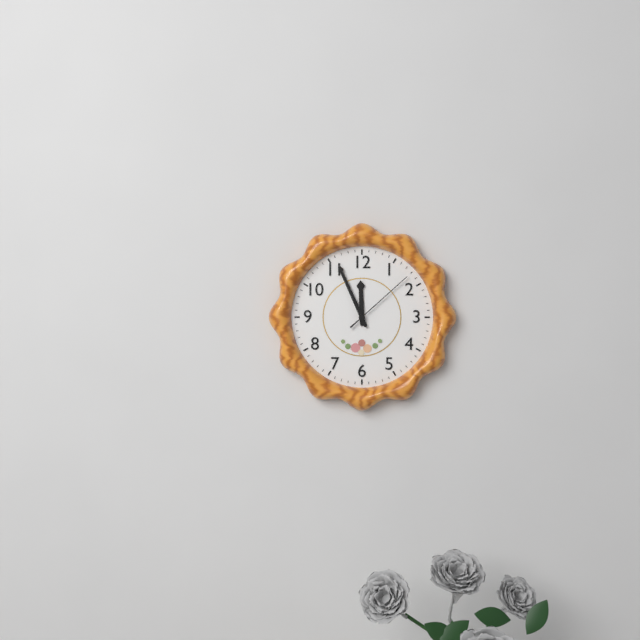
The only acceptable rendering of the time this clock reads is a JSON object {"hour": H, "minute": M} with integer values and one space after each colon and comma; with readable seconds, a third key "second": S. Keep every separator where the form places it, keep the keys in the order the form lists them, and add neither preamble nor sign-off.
{"hour": 11, "minute": 56, "second": 8}
